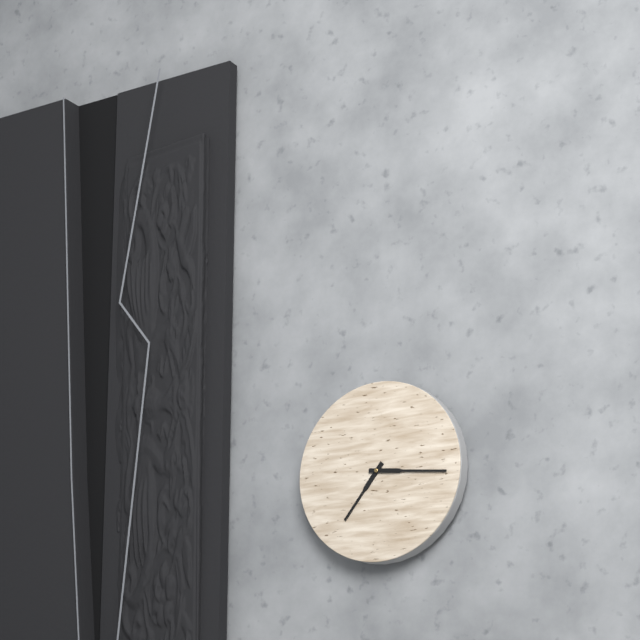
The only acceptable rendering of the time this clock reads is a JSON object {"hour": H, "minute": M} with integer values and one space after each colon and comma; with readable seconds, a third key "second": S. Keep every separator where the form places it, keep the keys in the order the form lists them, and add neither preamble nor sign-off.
{"hour": 7, "minute": 16}
